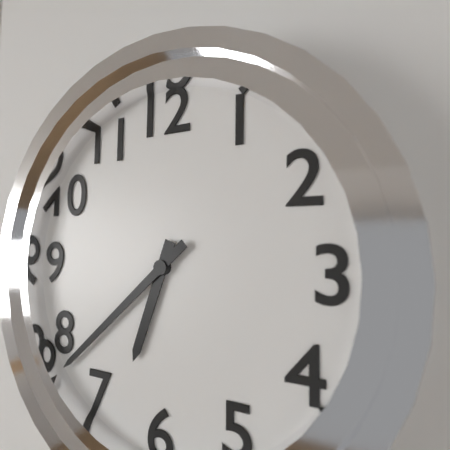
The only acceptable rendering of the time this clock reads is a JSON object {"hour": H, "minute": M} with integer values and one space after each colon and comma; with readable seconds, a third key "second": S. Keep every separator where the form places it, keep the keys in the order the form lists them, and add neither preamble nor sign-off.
{"hour": 6, "minute": 38}
